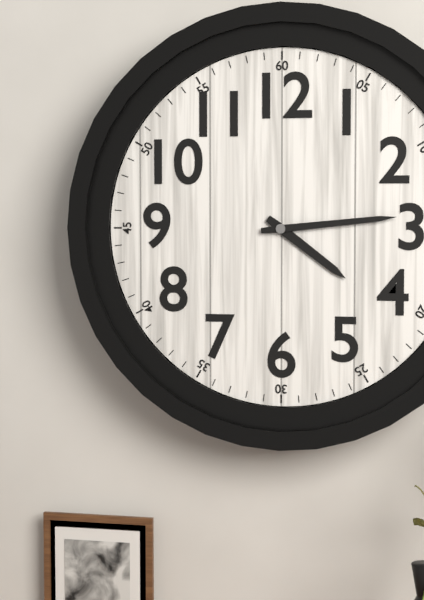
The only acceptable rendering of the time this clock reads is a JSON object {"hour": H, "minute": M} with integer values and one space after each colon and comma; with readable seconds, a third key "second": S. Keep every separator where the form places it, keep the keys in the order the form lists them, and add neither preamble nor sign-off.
{"hour": 4, "minute": 14}
